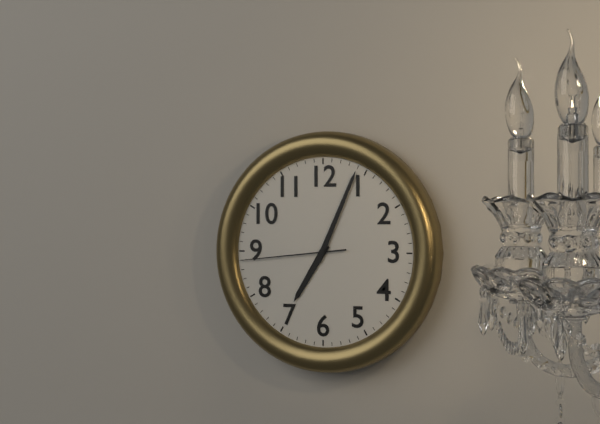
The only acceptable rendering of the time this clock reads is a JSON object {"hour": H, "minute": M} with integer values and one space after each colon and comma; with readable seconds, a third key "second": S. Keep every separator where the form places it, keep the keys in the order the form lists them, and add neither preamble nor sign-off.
{"hour": 7, "minute": 4, "second": 44}
